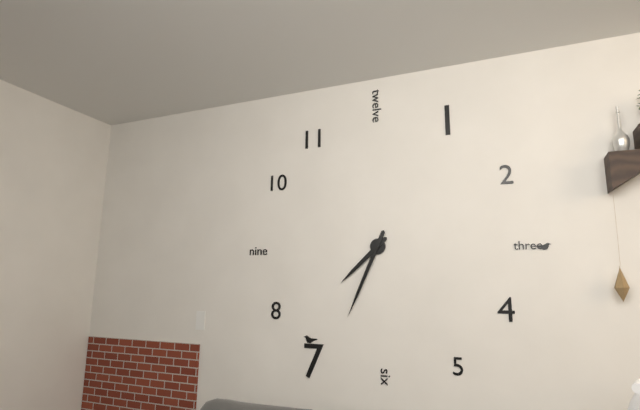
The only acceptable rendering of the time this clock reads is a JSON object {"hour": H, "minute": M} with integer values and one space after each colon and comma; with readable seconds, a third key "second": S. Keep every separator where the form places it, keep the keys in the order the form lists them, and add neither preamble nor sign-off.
{"hour": 7, "minute": 34}
